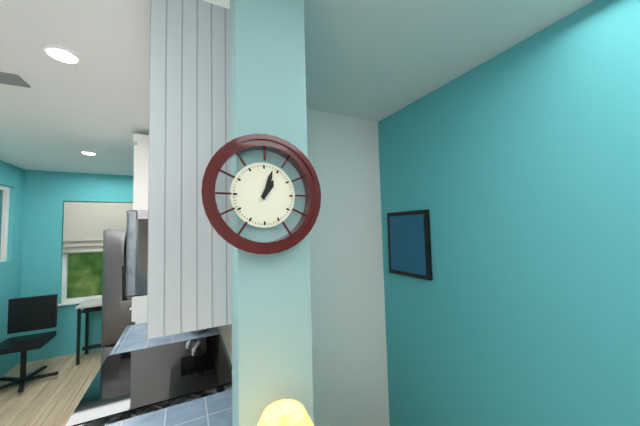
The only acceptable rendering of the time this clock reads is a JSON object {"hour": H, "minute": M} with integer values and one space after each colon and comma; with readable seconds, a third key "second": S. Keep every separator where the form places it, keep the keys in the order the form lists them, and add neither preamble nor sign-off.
{"hour": 1, "minute": 3}
